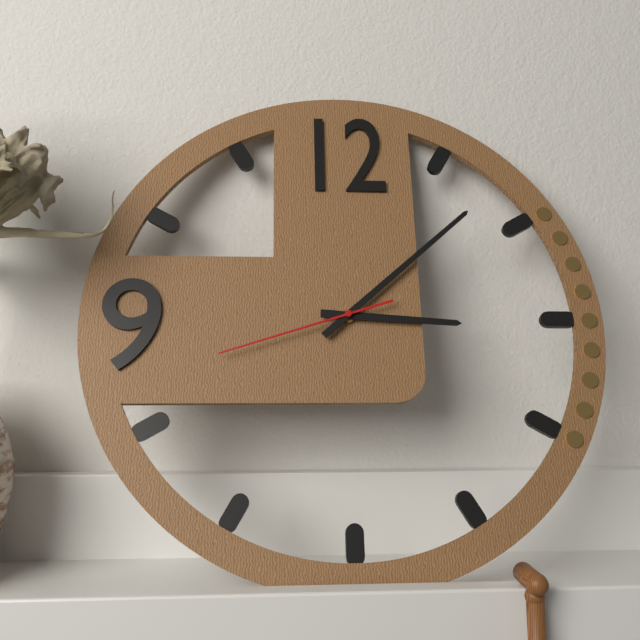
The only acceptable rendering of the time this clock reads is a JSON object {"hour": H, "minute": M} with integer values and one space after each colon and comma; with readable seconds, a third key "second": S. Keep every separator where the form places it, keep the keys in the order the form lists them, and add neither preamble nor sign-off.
{"hour": 3, "minute": 8, "second": 42}
